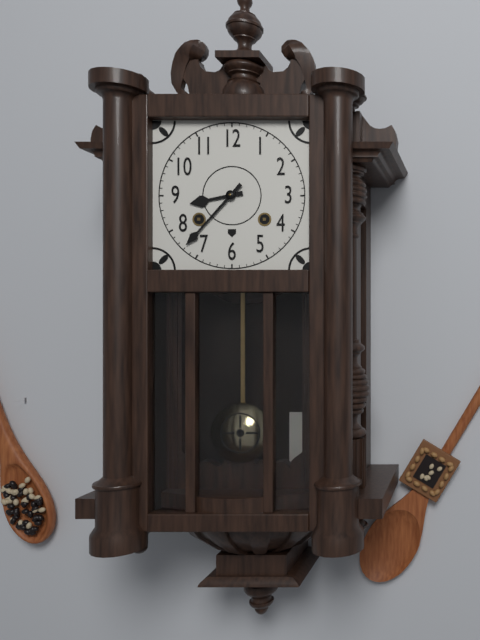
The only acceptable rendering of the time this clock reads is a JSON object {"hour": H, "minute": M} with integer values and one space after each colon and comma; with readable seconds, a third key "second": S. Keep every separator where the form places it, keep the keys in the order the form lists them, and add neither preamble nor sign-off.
{"hour": 8, "minute": 37}
